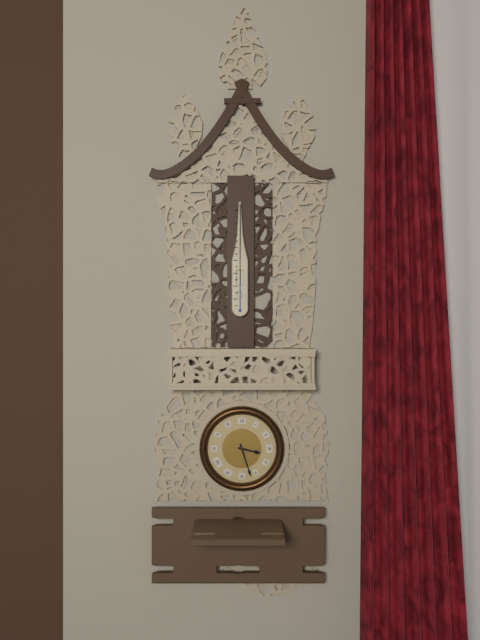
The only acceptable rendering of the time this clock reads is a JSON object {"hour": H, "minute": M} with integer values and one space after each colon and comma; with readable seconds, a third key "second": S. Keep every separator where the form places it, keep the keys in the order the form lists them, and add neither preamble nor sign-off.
{"hour": 3, "minute": 27}
